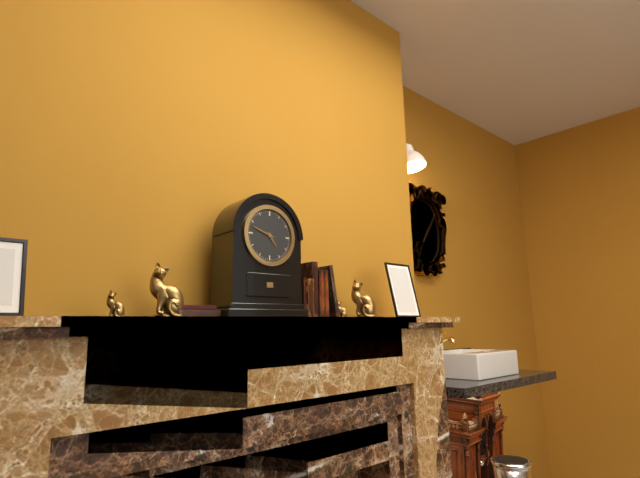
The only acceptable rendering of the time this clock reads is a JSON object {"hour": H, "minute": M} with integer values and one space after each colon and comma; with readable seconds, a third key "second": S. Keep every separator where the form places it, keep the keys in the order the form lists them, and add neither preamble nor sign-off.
{"hour": 4, "minute": 48}
